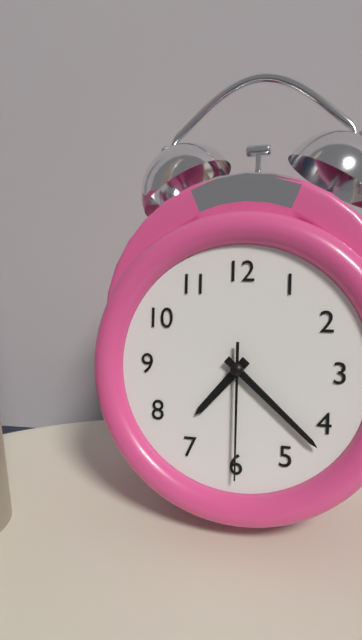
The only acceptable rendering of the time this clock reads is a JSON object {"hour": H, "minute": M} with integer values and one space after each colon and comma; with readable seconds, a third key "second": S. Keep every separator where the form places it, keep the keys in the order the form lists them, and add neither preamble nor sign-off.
{"hour": 7, "minute": 22, "second": 30}
